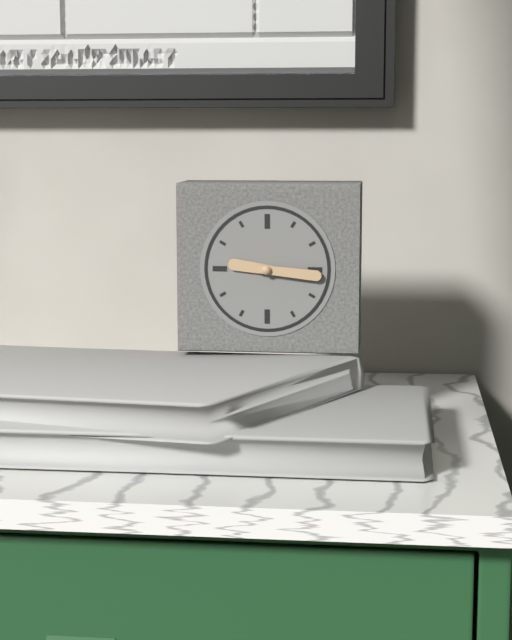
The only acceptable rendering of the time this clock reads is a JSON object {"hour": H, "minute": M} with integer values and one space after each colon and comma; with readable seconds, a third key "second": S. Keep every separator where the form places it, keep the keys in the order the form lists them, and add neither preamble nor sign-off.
{"hour": 9, "minute": 16}
